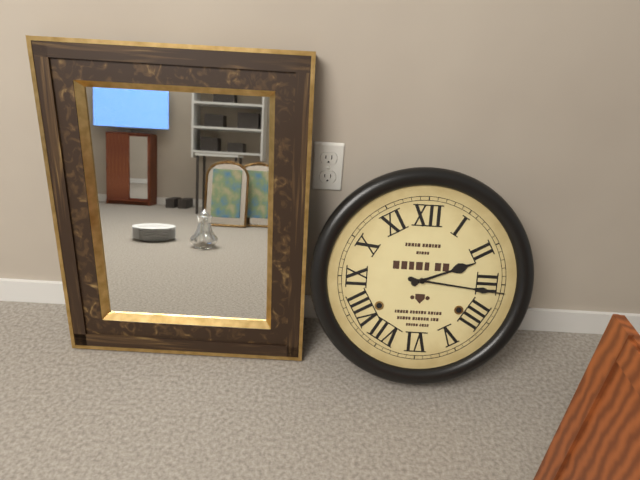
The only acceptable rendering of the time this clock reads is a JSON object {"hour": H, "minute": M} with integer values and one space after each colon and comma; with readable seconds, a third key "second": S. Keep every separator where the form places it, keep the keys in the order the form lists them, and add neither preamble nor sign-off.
{"hour": 2, "minute": 16}
